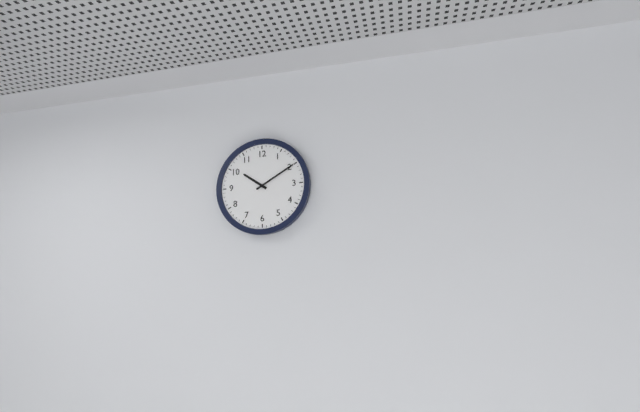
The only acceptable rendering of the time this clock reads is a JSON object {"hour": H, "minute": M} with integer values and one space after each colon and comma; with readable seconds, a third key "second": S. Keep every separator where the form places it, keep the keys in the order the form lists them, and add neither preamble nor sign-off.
{"hour": 10, "minute": 10}
